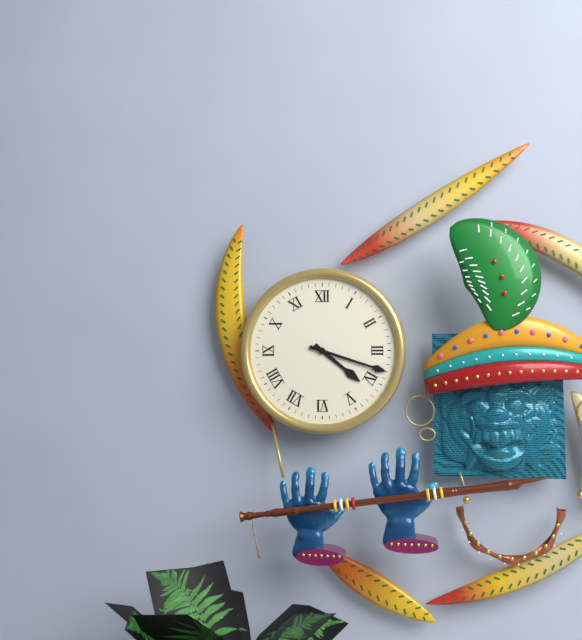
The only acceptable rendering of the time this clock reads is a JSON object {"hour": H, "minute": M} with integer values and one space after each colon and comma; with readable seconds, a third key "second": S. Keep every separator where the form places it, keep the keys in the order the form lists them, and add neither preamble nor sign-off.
{"hour": 4, "minute": 18}
